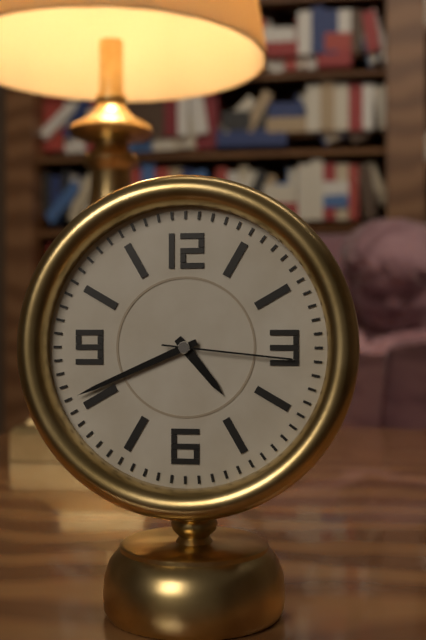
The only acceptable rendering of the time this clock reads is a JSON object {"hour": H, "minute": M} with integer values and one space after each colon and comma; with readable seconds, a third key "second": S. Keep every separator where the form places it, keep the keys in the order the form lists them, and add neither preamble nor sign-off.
{"hour": 4, "minute": 41, "second": 16}
